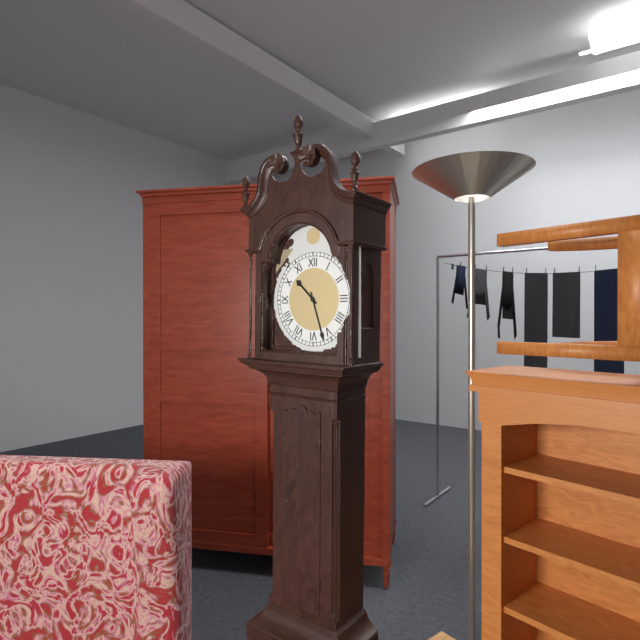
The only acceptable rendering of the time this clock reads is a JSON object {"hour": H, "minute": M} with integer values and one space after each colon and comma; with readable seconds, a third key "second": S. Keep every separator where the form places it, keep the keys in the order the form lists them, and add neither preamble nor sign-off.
{"hour": 10, "minute": 27}
